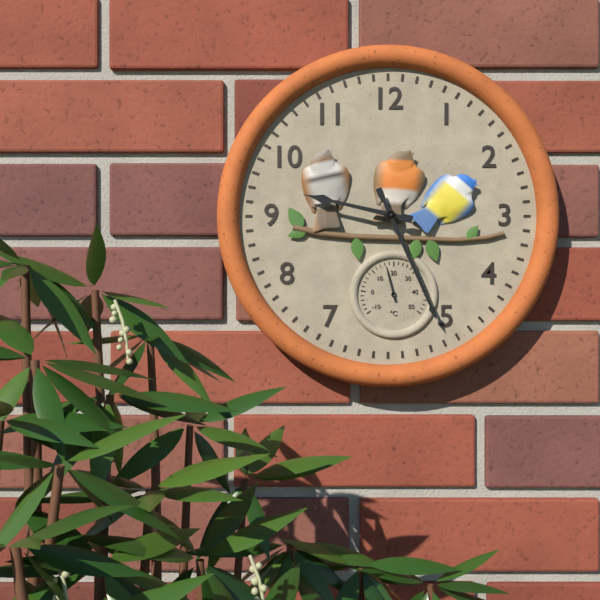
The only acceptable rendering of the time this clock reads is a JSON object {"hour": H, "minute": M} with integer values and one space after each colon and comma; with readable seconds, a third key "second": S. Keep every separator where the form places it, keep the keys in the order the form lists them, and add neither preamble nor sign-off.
{"hour": 9, "minute": 26}
